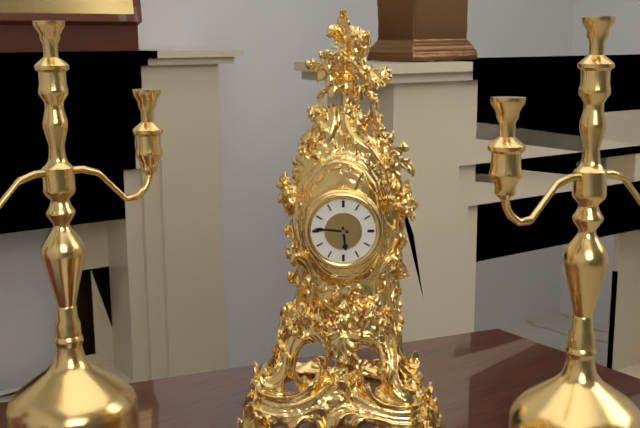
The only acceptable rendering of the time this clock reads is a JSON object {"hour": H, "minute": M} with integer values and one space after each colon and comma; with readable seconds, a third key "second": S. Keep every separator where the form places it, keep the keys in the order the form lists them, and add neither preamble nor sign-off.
{"hour": 5, "minute": 46}
